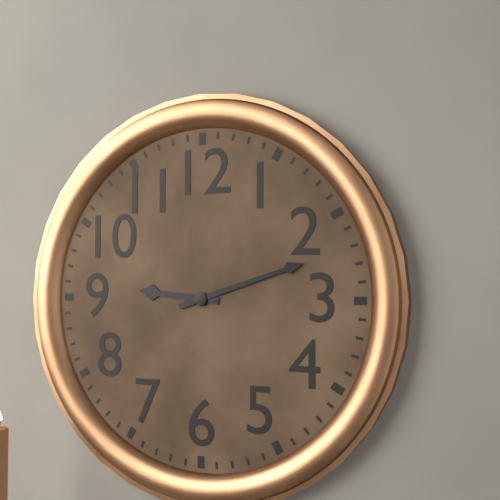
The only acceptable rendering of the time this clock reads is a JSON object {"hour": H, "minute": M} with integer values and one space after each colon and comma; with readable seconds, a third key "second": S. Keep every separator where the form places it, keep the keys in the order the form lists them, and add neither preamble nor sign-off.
{"hour": 9, "minute": 12}
